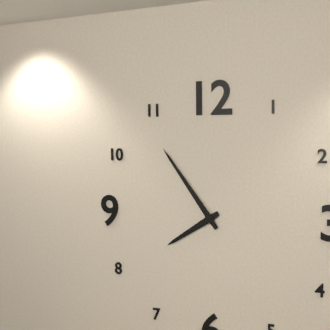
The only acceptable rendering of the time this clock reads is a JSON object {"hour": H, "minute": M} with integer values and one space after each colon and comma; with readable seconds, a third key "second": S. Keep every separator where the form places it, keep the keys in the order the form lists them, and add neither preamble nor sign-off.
{"hour": 7, "minute": 54}
